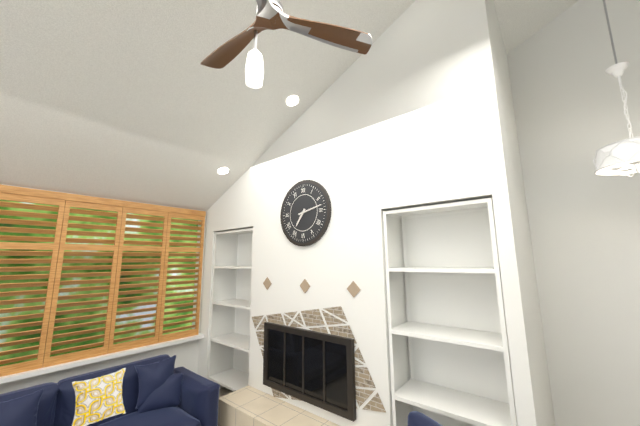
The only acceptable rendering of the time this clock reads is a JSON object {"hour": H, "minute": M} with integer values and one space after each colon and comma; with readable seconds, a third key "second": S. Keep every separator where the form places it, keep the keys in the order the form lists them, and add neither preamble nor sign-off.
{"hour": 7, "minute": 13}
